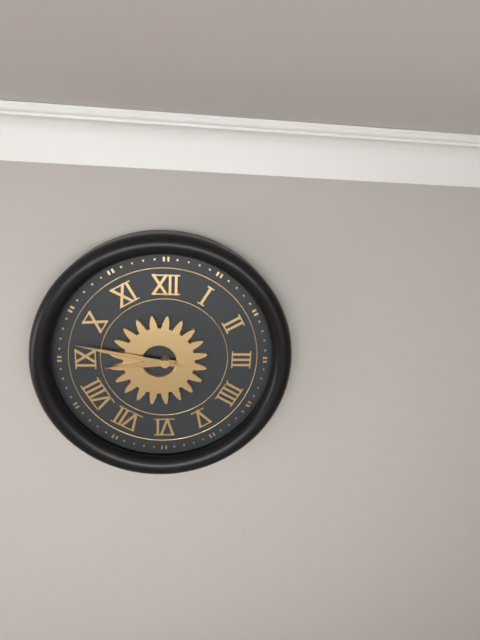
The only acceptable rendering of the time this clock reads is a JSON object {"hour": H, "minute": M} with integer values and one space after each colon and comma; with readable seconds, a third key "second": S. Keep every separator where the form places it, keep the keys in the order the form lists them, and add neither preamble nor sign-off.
{"hour": 8, "minute": 47}
